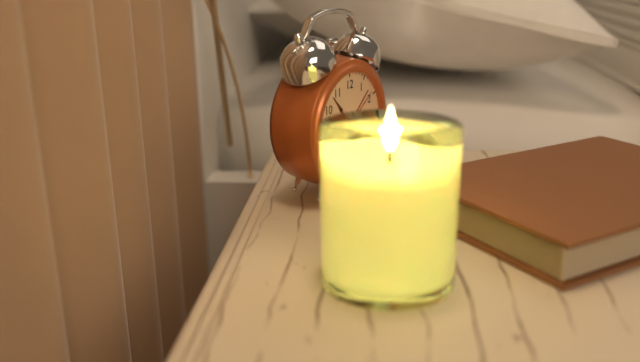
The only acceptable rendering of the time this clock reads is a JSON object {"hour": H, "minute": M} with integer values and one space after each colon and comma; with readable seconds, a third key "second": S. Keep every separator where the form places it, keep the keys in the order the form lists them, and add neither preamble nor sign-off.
{"hour": 9, "minute": 14, "second": 9}
